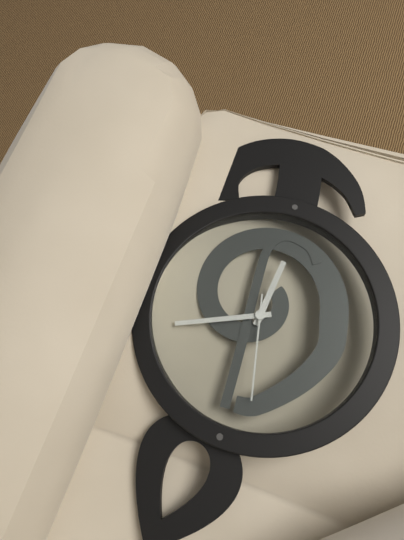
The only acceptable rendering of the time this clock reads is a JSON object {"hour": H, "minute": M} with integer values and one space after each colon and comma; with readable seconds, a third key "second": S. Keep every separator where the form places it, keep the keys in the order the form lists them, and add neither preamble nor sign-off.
{"hour": 6, "minute": 11, "second": 58}
